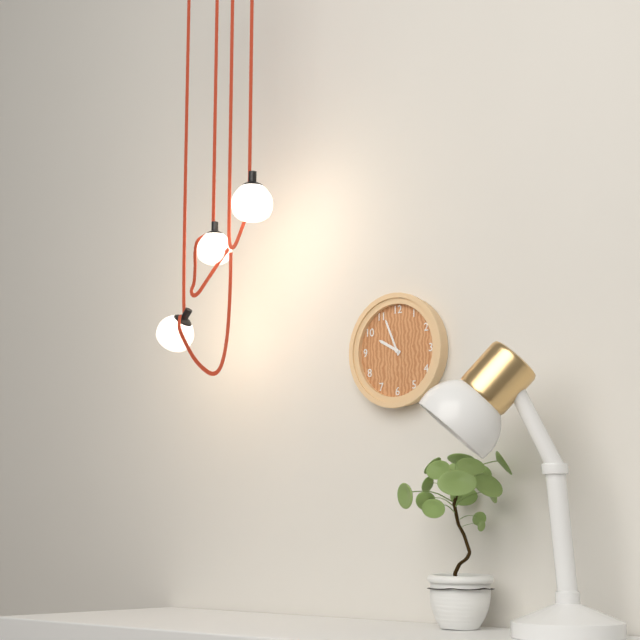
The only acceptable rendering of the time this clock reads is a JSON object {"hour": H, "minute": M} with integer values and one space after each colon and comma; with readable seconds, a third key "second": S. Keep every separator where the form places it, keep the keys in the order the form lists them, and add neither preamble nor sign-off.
{"hour": 9, "minute": 56}
